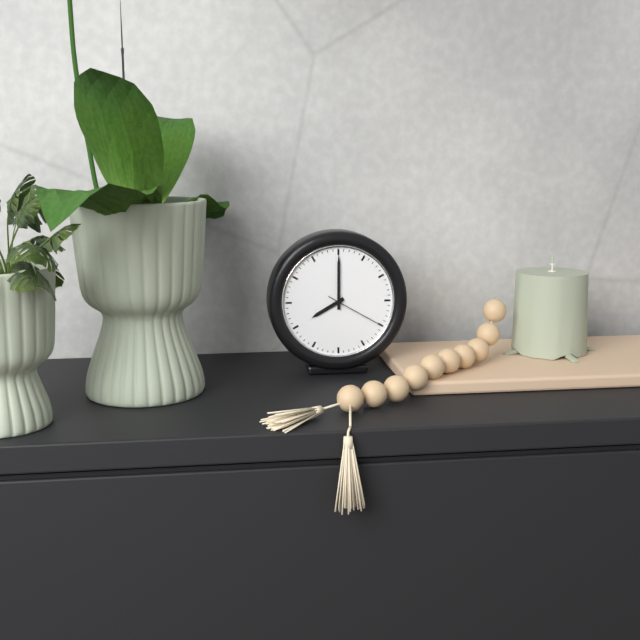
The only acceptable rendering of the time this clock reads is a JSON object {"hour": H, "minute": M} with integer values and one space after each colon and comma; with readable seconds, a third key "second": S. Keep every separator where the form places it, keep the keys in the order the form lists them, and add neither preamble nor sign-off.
{"hour": 8, "minute": 0, "second": 20}
